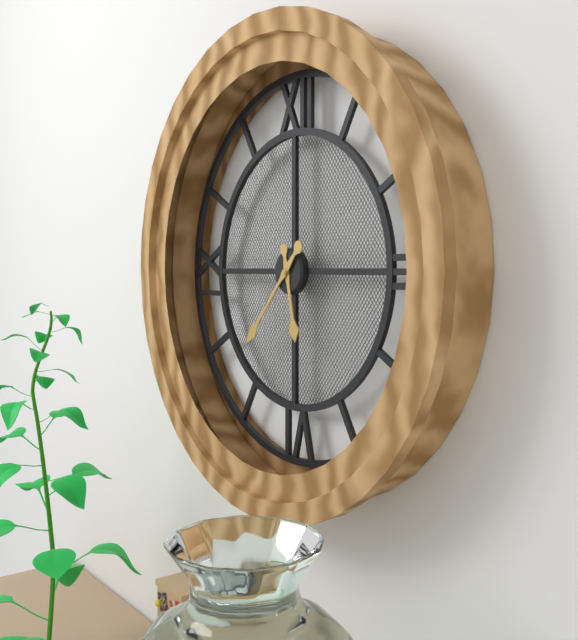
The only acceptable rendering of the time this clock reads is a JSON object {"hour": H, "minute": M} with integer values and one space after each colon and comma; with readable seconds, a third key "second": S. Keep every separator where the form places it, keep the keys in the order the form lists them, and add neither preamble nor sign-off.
{"hour": 5, "minute": 37}
